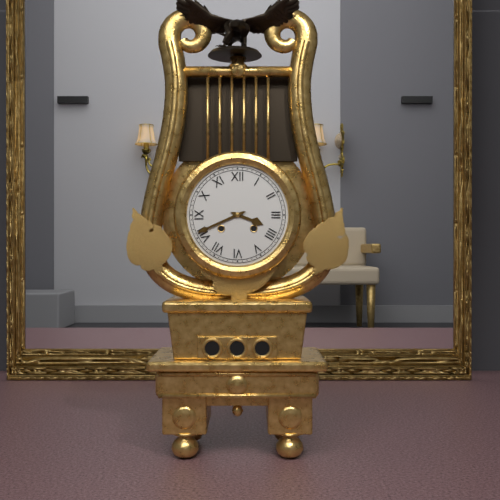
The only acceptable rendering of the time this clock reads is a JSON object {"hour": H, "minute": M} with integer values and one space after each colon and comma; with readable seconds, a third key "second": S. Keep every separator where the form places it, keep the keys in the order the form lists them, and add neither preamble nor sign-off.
{"hour": 3, "minute": 41}
